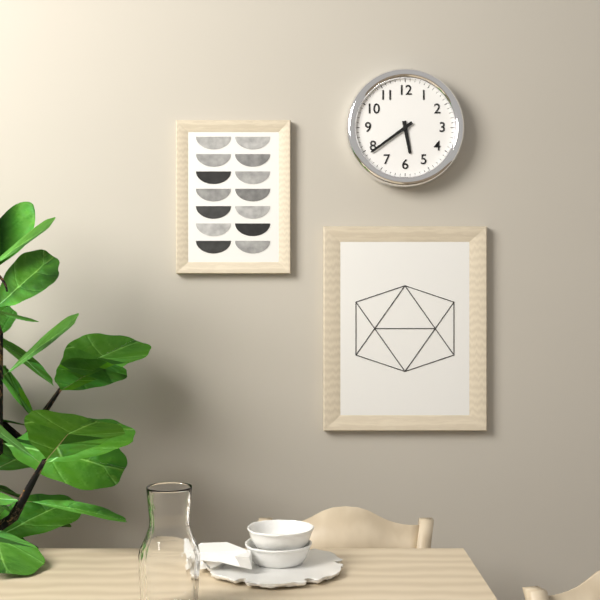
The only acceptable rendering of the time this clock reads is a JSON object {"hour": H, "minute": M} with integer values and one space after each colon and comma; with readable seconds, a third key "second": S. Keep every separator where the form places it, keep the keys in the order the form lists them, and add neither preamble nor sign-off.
{"hour": 5, "minute": 39}
